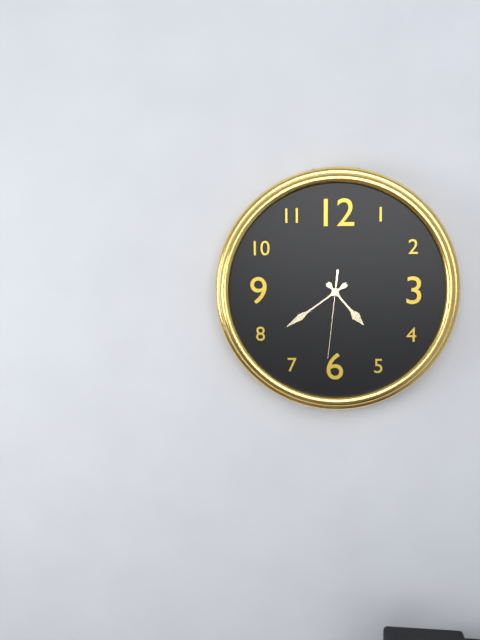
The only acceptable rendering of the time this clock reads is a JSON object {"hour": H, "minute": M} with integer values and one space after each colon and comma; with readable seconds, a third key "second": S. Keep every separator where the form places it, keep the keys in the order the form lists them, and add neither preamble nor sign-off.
{"hour": 4, "minute": 39, "second": 31}
